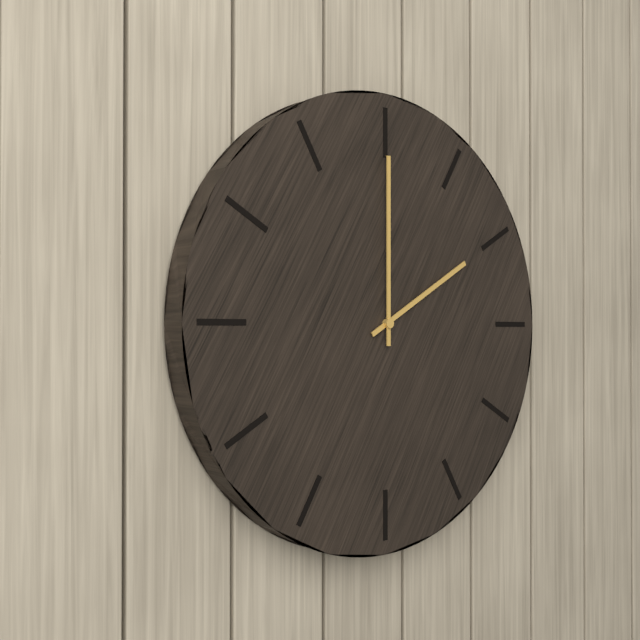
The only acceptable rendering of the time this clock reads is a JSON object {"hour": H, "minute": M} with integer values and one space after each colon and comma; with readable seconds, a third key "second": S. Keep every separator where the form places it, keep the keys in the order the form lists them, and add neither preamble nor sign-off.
{"hour": 2, "minute": 0}
